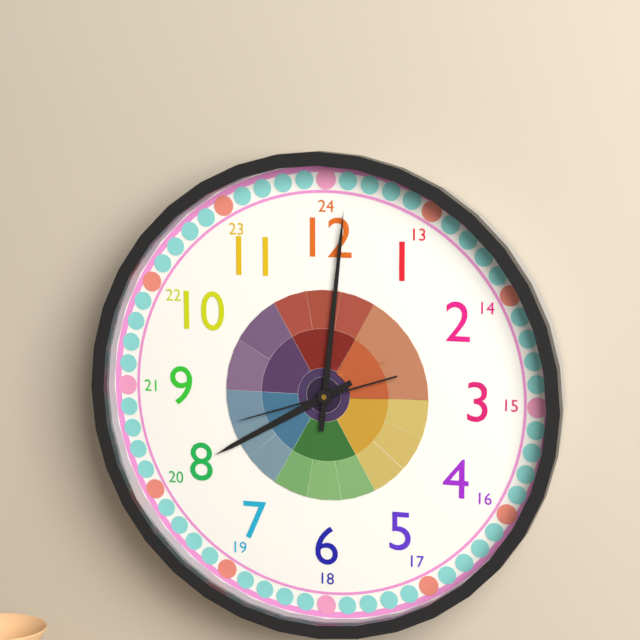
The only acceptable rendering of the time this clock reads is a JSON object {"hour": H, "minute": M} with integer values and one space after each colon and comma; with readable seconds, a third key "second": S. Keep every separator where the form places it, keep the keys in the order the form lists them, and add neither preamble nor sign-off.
{"hour": 8, "minute": 1, "second": 42}
